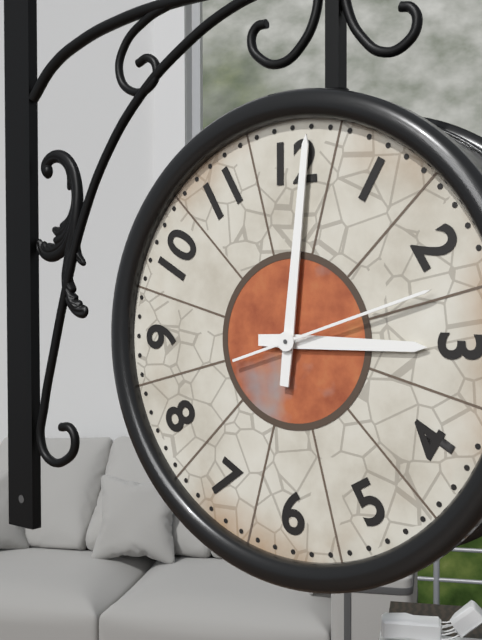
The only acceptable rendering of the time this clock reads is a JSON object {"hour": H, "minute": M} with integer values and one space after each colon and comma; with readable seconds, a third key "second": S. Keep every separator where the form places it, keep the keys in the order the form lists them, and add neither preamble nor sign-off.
{"hour": 3, "minute": 1, "second": 12}
